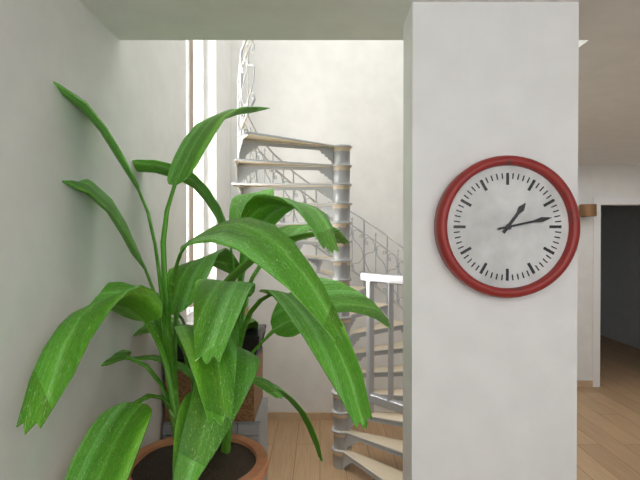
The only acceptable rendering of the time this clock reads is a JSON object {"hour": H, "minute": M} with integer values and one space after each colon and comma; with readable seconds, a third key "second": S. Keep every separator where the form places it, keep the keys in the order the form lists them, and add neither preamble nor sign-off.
{"hour": 1, "minute": 13}
